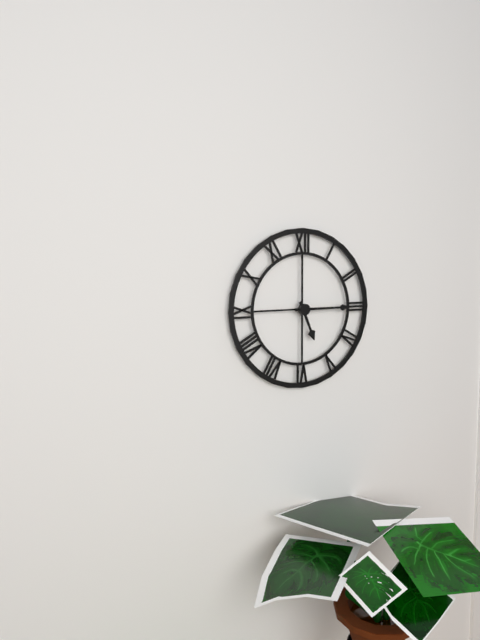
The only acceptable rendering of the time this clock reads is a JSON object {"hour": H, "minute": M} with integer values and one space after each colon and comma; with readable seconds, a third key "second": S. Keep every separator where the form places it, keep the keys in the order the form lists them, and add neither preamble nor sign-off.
{"hour": 5, "minute": 15}
